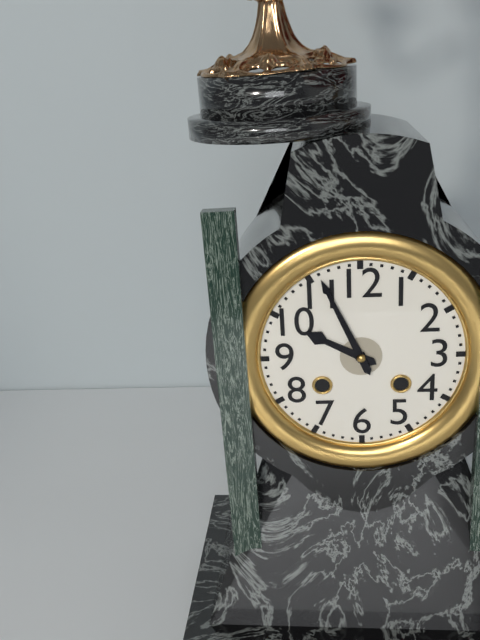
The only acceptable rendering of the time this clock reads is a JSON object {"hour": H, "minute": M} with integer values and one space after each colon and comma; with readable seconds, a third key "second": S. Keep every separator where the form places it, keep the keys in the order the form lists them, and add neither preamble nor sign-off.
{"hour": 9, "minute": 56}
